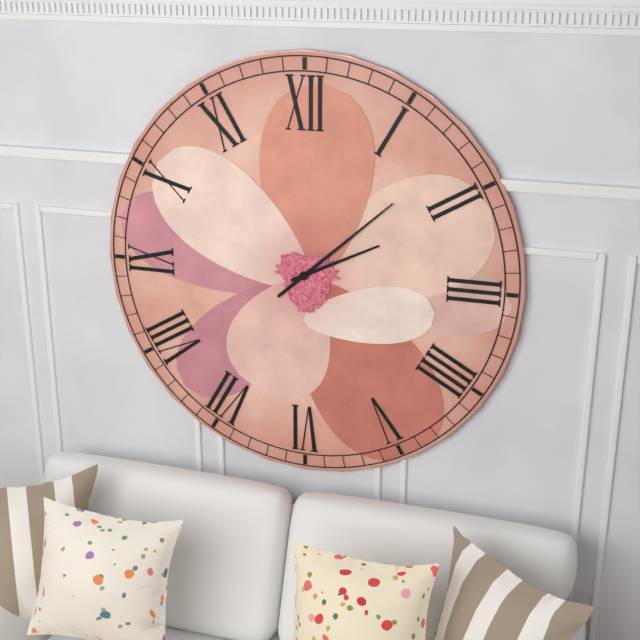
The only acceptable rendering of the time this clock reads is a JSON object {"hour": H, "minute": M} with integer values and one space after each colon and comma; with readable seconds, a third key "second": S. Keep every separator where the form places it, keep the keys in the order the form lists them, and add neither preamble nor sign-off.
{"hour": 2, "minute": 8}
